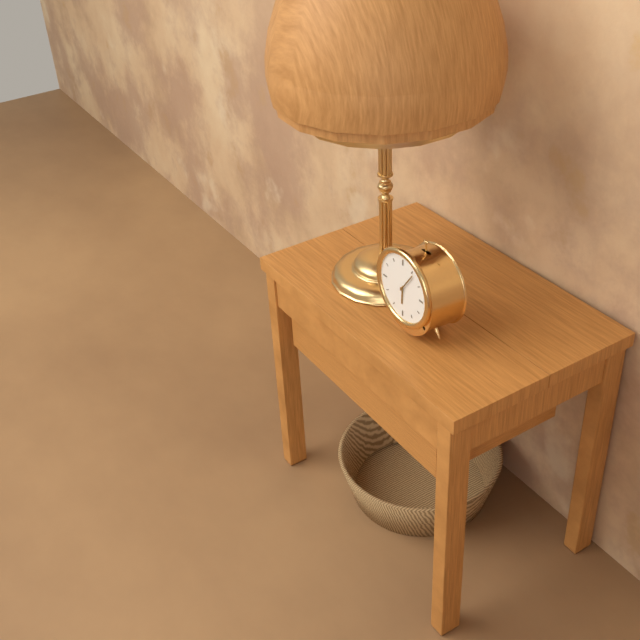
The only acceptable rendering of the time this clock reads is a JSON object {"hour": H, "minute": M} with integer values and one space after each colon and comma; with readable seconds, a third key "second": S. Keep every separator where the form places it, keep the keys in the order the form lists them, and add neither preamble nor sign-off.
{"hour": 6, "minute": 6}
